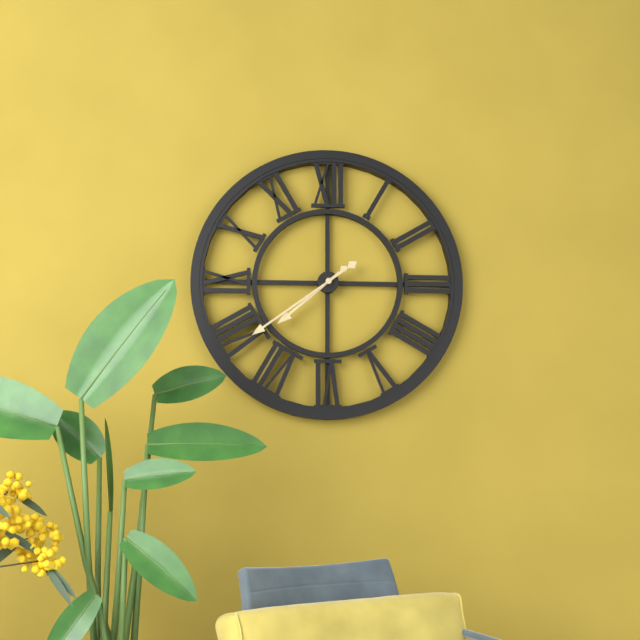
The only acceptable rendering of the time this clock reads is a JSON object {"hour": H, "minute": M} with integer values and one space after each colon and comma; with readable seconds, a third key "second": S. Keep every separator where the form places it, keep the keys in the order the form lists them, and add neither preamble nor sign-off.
{"hour": 7, "minute": 39}
